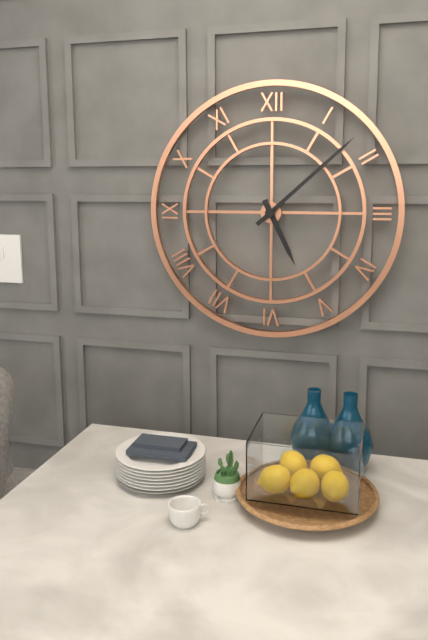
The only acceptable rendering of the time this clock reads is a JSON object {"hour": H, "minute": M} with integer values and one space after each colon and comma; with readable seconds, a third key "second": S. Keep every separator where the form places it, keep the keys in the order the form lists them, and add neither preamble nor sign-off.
{"hour": 5, "minute": 8}
